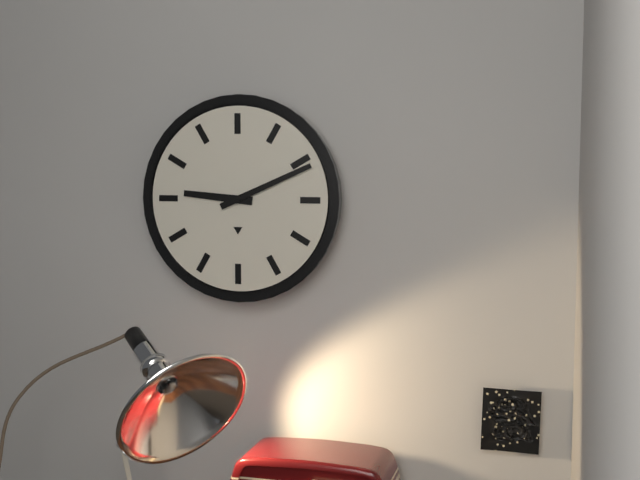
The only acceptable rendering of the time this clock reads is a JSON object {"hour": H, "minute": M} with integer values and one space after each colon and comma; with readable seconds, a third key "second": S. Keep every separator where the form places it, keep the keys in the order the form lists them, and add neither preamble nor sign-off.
{"hour": 9, "minute": 11}
